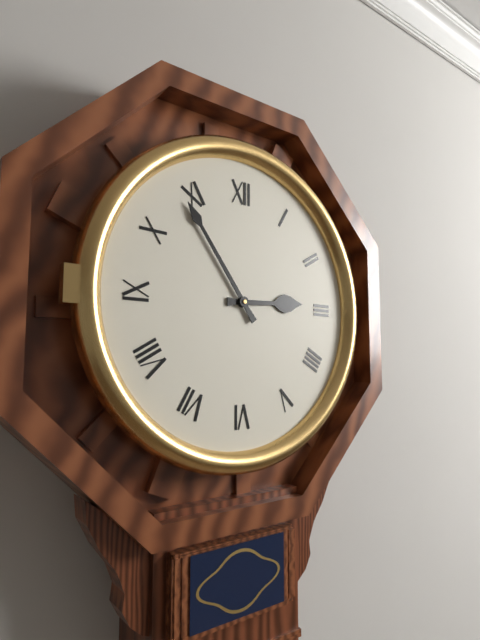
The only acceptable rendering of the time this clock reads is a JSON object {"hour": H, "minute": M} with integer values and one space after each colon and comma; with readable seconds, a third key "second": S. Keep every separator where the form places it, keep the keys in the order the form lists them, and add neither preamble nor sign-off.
{"hour": 2, "minute": 54}
